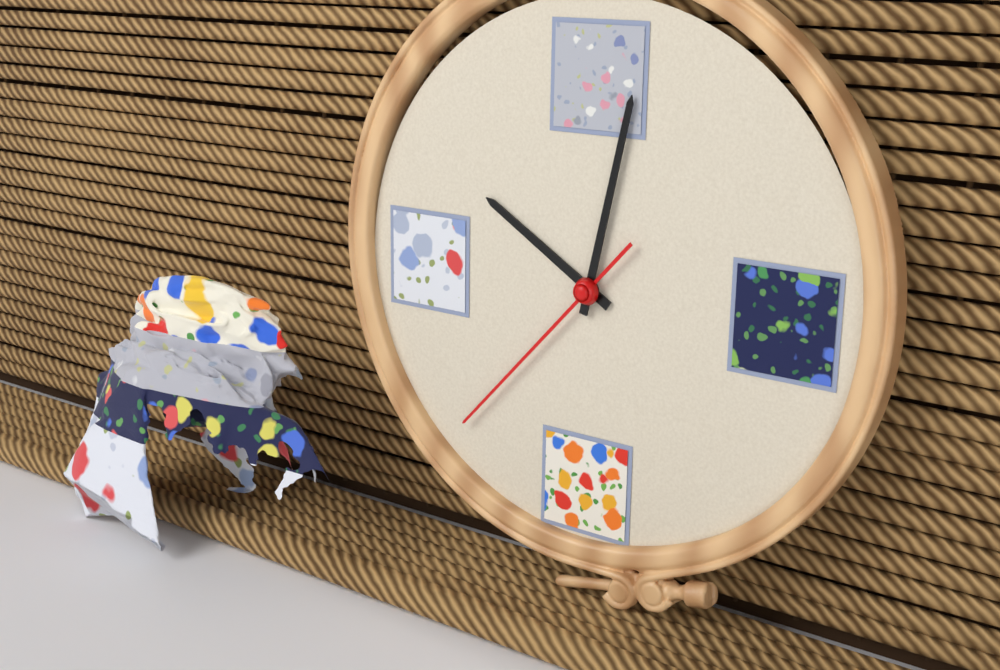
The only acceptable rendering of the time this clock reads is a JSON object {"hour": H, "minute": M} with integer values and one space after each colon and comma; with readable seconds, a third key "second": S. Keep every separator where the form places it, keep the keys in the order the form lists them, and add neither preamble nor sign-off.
{"hour": 10, "minute": 2, "second": 37}
